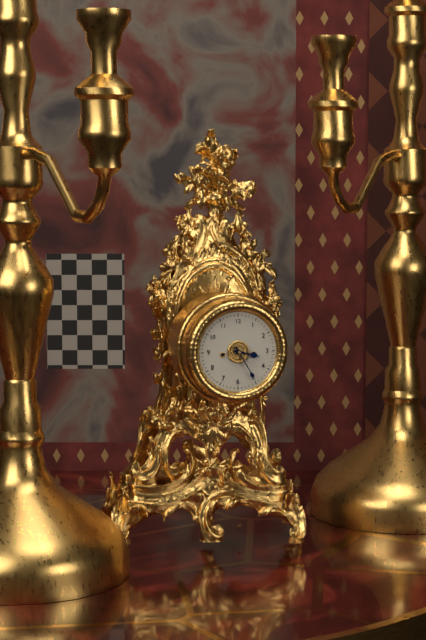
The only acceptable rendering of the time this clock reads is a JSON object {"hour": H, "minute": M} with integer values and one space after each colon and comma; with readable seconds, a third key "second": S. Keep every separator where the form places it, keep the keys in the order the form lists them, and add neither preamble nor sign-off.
{"hour": 3, "minute": 25}
